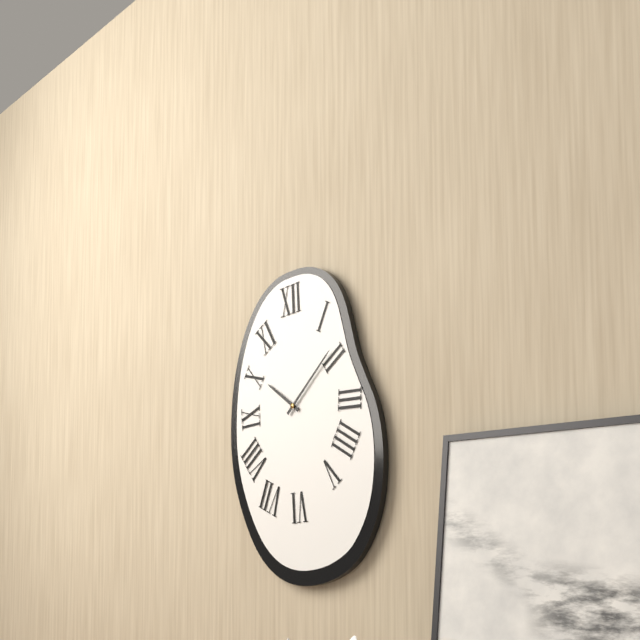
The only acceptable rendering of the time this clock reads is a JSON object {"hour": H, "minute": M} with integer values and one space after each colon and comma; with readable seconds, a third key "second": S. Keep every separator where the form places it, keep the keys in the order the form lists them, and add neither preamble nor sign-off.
{"hour": 10, "minute": 8}
